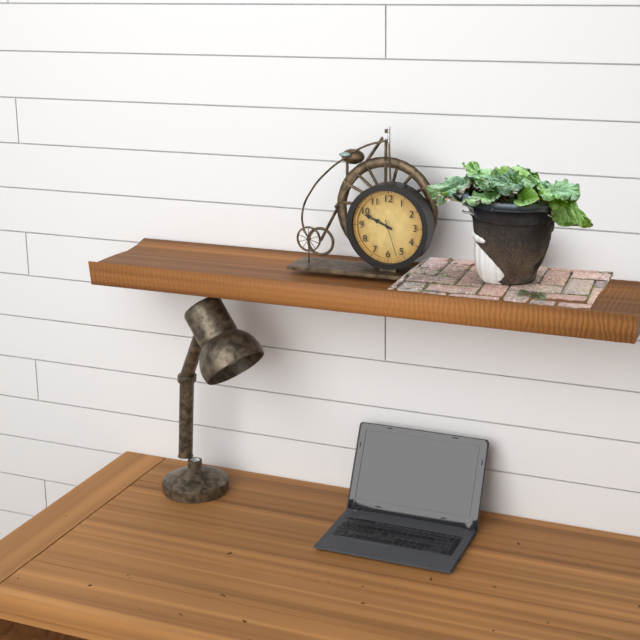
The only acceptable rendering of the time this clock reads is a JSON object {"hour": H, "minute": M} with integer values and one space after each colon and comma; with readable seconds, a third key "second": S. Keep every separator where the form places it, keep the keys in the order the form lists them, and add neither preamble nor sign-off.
{"hour": 9, "minute": 49}
